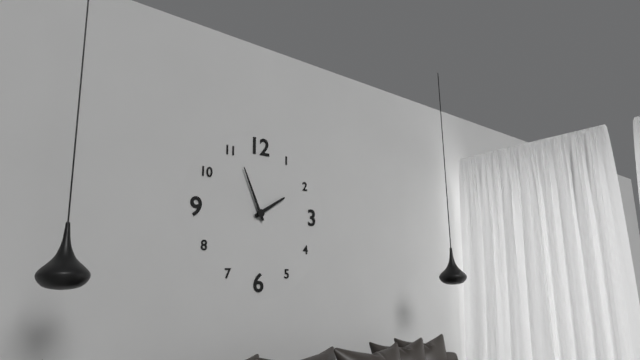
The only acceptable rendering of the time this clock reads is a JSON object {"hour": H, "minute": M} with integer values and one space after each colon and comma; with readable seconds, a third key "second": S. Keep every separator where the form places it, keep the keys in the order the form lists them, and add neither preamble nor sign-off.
{"hour": 1, "minute": 56}
